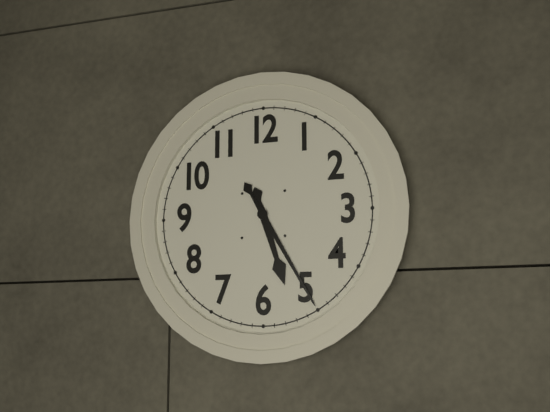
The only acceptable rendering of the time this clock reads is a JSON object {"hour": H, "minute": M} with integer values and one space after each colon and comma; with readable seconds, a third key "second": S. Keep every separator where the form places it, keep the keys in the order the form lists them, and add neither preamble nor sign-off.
{"hour": 5, "minute": 25}
